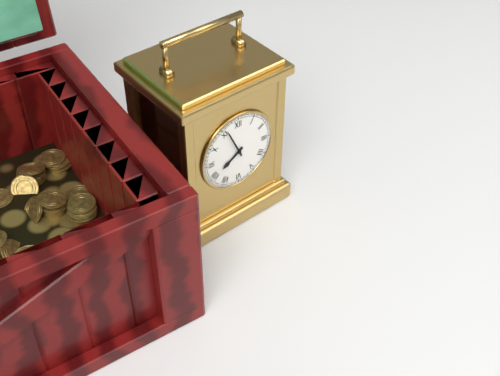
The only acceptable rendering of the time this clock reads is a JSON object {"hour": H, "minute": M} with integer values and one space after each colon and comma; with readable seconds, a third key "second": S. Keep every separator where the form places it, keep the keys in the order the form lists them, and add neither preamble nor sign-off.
{"hour": 7, "minute": 56}
